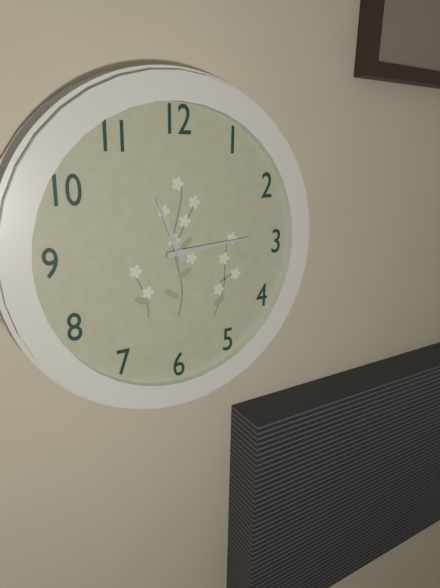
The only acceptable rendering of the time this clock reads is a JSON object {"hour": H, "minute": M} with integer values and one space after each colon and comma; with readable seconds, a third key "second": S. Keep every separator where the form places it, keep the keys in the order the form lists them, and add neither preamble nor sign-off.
{"hour": 11, "minute": 14}
